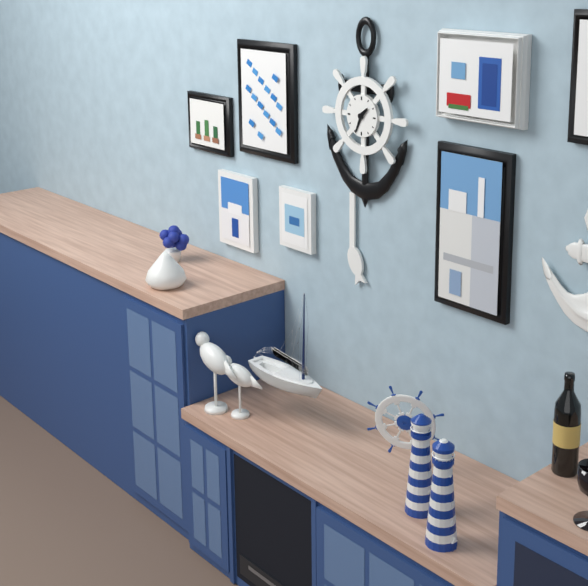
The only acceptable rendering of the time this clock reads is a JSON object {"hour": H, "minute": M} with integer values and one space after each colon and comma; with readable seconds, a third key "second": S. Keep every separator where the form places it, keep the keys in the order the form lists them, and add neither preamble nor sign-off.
{"hour": 1, "minute": 34}
